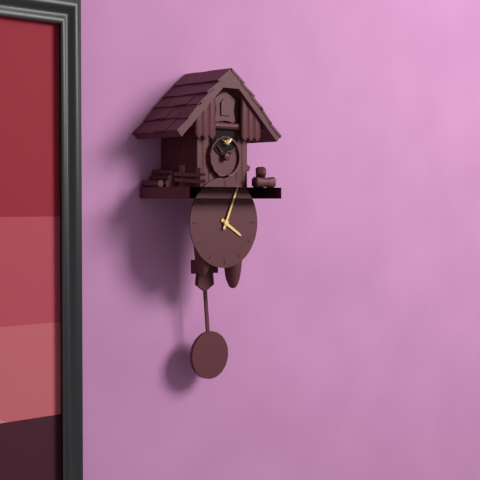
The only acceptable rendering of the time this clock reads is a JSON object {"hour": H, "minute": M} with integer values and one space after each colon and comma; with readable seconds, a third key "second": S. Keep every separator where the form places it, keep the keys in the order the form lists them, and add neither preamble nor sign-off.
{"hour": 4, "minute": 4}
